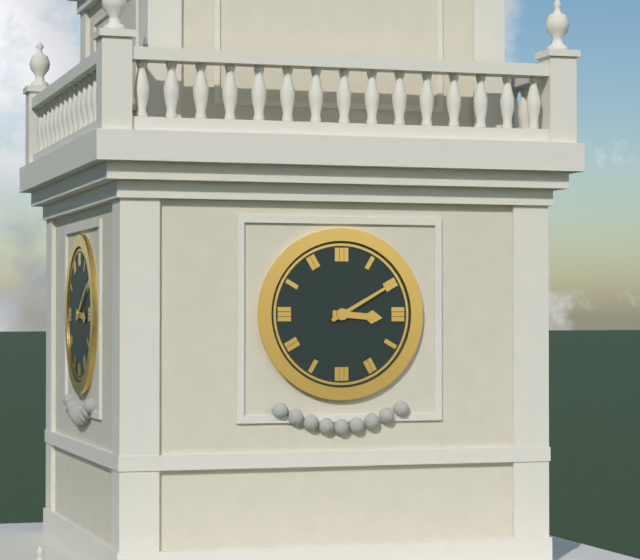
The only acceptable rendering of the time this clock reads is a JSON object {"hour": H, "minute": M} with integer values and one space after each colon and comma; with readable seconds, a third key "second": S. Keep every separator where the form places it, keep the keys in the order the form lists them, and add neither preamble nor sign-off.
{"hour": 3, "minute": 10}
